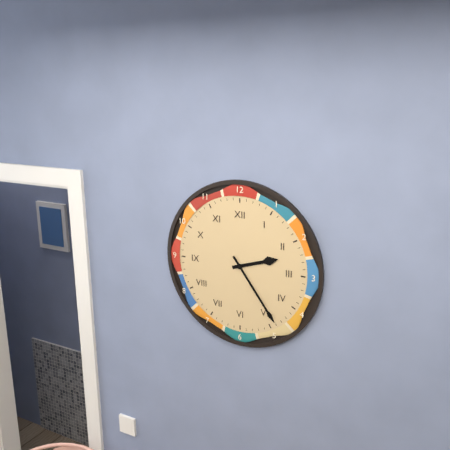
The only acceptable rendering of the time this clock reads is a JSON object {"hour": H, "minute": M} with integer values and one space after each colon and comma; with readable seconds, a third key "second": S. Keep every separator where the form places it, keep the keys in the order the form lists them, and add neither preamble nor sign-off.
{"hour": 2, "minute": 24}
